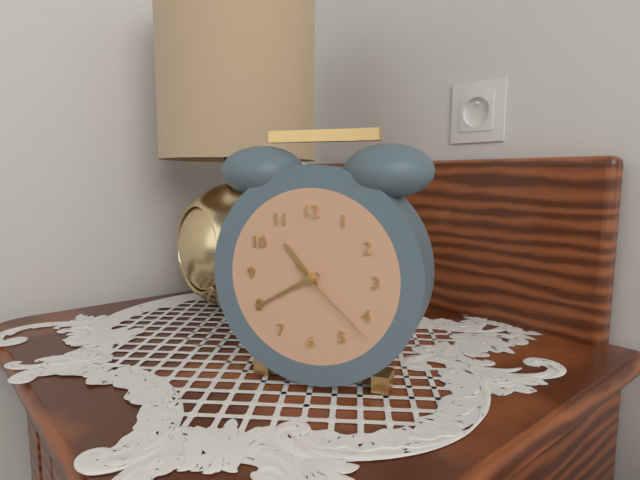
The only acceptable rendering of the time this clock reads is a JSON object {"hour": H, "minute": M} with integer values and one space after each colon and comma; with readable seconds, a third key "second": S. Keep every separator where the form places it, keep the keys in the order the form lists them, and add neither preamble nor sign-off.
{"hour": 10, "minute": 40, "second": 22}
